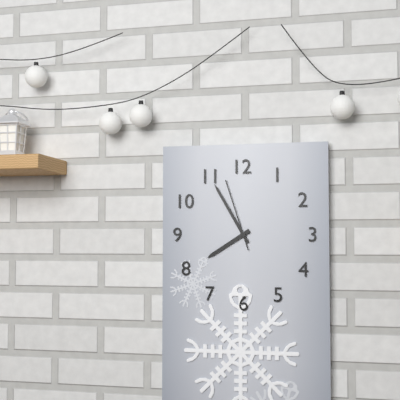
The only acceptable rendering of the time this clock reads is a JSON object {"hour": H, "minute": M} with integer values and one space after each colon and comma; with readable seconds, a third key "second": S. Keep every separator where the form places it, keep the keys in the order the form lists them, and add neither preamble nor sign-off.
{"hour": 7, "minute": 55, "second": 57}
